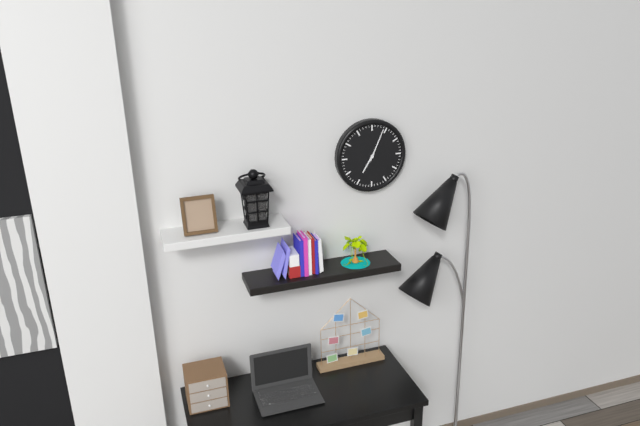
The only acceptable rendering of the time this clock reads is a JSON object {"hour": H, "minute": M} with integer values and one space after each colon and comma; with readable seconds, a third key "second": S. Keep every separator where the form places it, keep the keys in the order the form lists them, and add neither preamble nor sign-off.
{"hour": 7, "minute": 4}
